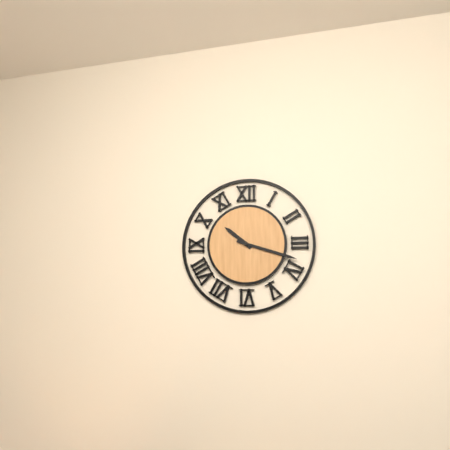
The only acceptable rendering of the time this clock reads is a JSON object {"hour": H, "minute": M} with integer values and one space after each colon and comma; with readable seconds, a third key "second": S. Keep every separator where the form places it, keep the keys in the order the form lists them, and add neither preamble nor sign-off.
{"hour": 10, "minute": 18}
